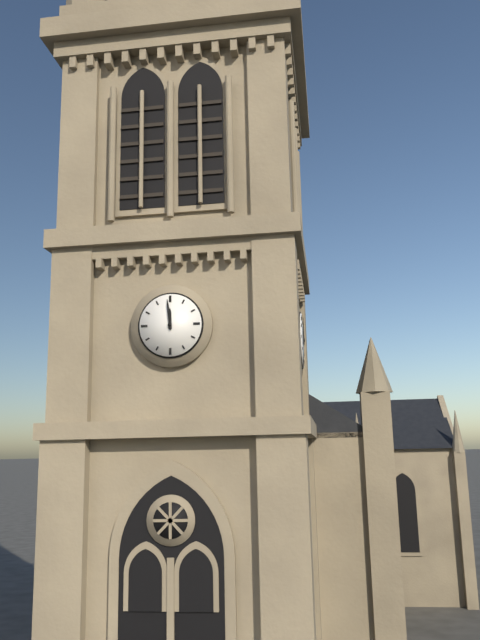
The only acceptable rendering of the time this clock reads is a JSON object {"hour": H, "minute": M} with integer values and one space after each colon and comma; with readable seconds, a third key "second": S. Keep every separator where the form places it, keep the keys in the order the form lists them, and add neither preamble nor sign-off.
{"hour": 11, "minute": 59}
